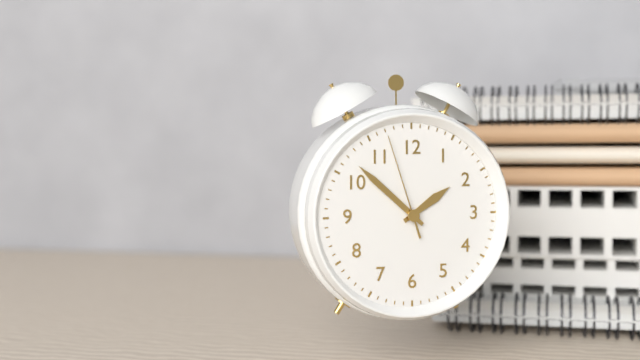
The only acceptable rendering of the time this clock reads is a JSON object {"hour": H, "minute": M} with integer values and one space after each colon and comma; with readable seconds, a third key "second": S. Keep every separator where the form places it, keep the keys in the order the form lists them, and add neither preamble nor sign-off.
{"hour": 1, "minute": 52, "second": 57}
